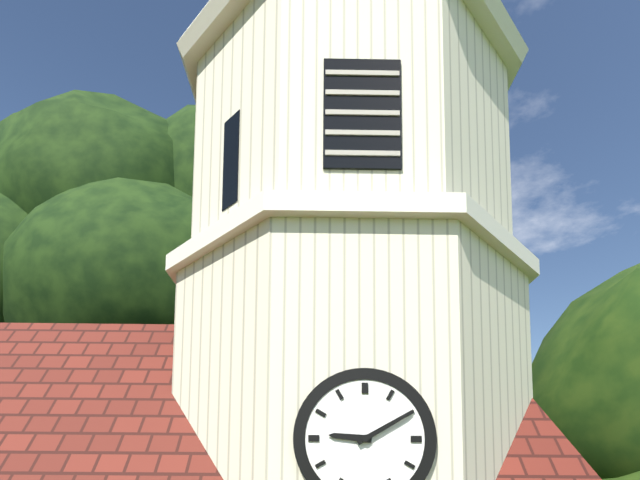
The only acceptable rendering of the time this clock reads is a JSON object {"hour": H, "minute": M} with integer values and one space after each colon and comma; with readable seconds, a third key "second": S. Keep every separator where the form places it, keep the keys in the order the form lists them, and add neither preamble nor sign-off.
{"hour": 9, "minute": 10}
